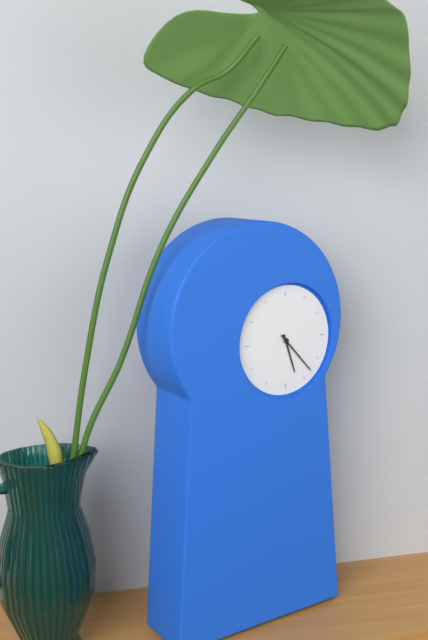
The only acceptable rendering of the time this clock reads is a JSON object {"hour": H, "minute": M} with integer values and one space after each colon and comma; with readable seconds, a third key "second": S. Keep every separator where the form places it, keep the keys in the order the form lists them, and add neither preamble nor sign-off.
{"hour": 5, "minute": 23}
